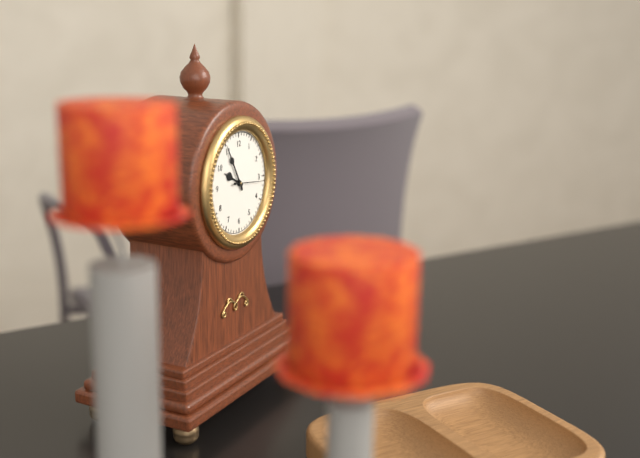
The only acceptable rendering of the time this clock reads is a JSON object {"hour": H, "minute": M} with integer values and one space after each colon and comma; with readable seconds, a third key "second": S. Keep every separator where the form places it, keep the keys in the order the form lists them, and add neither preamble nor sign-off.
{"hour": 9, "minute": 55}
